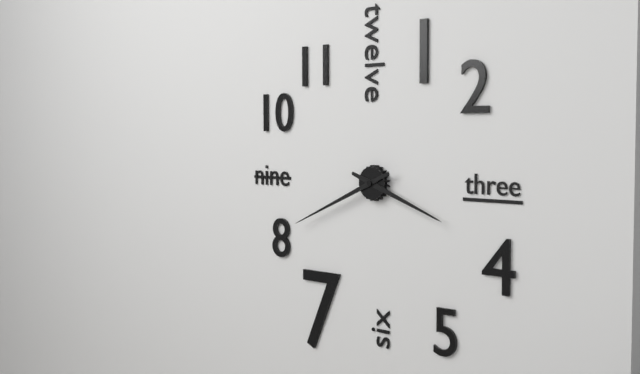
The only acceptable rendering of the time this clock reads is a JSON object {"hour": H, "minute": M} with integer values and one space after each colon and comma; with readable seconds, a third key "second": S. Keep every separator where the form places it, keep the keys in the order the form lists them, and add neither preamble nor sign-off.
{"hour": 3, "minute": 41}
